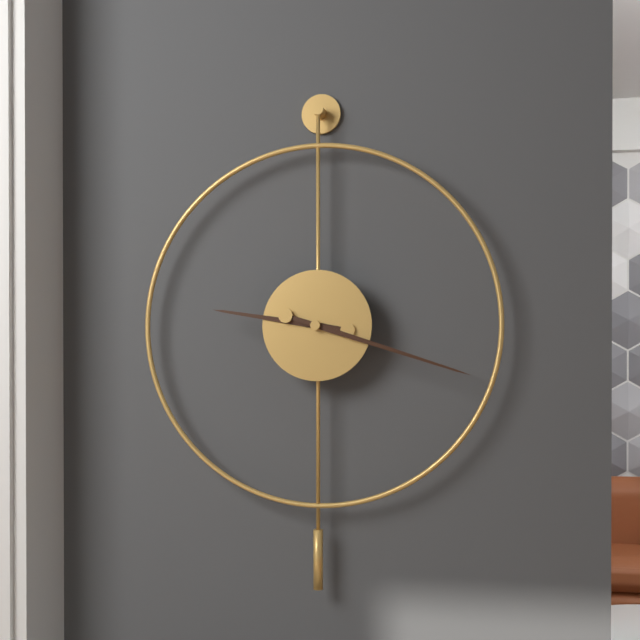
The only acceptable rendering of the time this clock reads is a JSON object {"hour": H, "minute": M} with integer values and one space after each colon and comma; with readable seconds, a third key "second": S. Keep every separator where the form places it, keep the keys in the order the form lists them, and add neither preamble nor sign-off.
{"hour": 9, "minute": 18}
